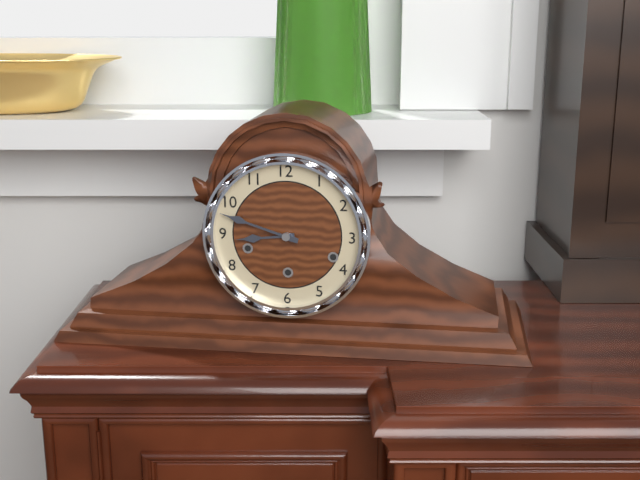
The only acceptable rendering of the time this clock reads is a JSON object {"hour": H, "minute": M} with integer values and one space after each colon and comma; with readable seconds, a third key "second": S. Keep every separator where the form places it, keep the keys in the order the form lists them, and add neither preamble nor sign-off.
{"hour": 8, "minute": 48}
